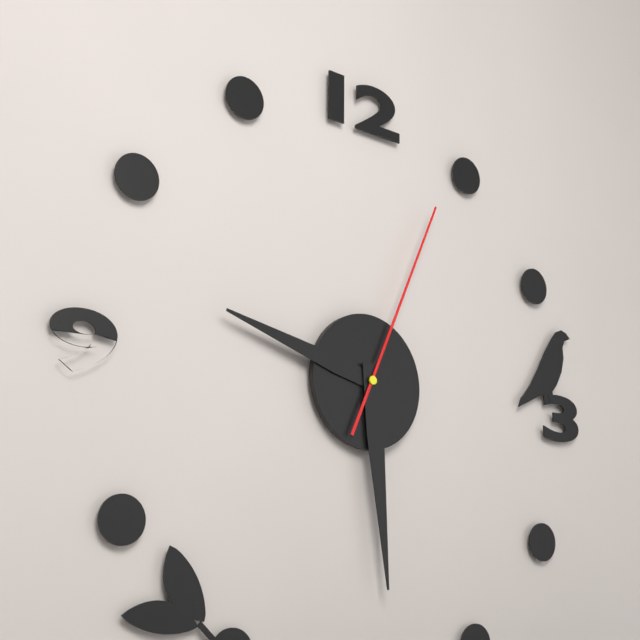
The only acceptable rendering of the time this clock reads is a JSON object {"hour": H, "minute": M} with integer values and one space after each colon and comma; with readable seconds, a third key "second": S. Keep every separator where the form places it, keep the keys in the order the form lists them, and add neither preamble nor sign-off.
{"hour": 9, "minute": 29, "second": 4}
